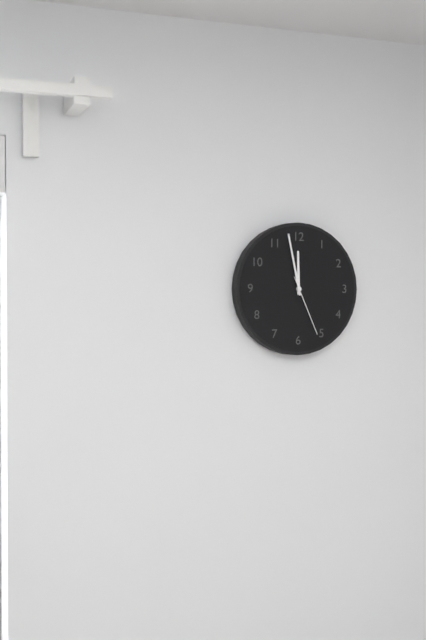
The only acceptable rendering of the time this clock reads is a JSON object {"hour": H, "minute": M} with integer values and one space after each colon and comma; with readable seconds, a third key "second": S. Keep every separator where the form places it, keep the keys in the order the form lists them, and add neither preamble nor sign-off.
{"hour": 11, "minute": 58, "second": 26}
